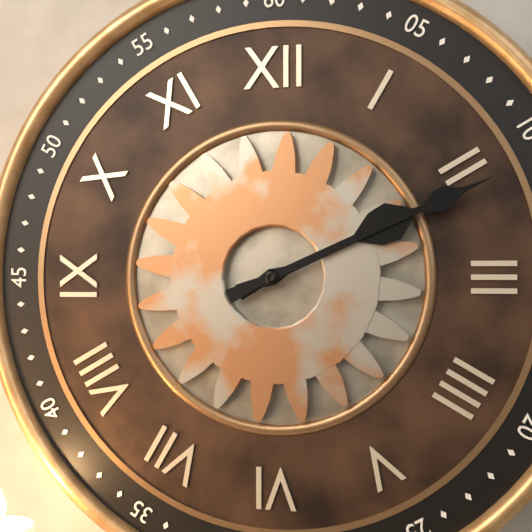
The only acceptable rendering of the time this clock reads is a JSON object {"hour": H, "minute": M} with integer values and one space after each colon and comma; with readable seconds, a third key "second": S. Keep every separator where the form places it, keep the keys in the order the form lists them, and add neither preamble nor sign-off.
{"hour": 2, "minute": 11}
